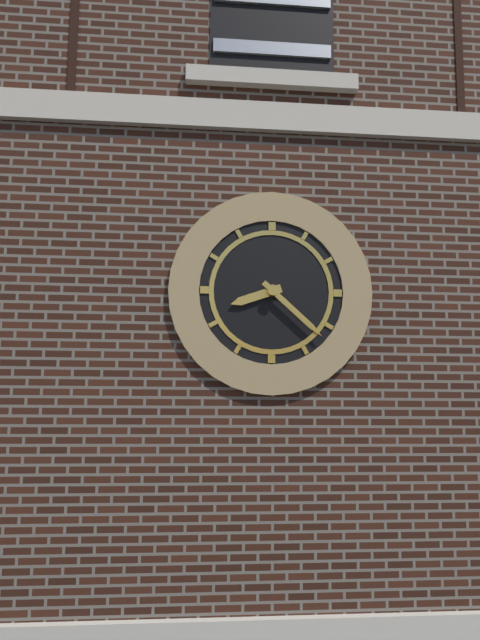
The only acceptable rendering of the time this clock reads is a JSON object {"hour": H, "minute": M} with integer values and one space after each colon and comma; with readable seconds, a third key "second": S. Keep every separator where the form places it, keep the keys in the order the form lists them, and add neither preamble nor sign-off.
{"hour": 8, "minute": 22}
